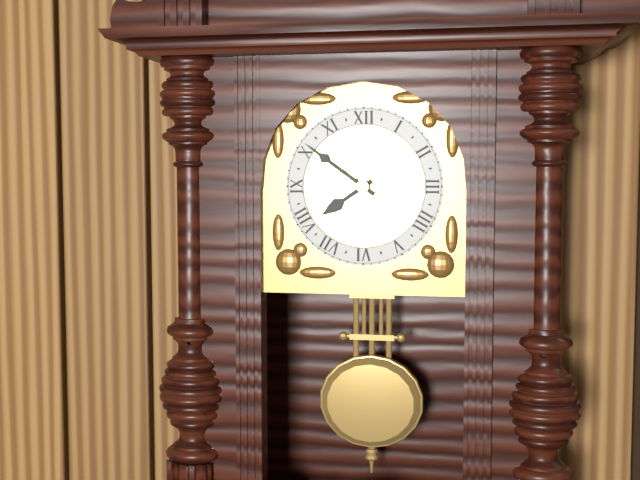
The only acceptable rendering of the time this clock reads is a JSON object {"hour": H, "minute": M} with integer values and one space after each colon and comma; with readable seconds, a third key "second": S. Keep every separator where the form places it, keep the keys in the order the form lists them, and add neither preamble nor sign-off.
{"hour": 7, "minute": 51}
